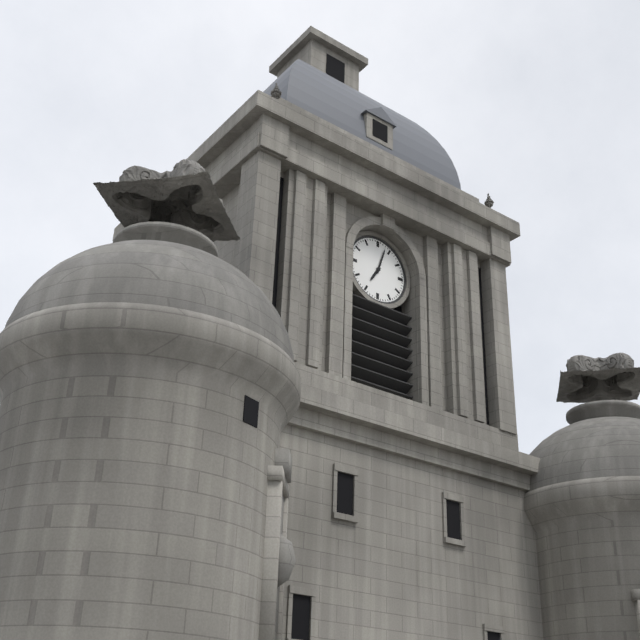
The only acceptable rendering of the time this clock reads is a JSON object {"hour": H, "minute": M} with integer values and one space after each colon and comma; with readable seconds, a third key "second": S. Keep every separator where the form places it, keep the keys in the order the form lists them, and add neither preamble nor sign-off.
{"hour": 7, "minute": 3}
